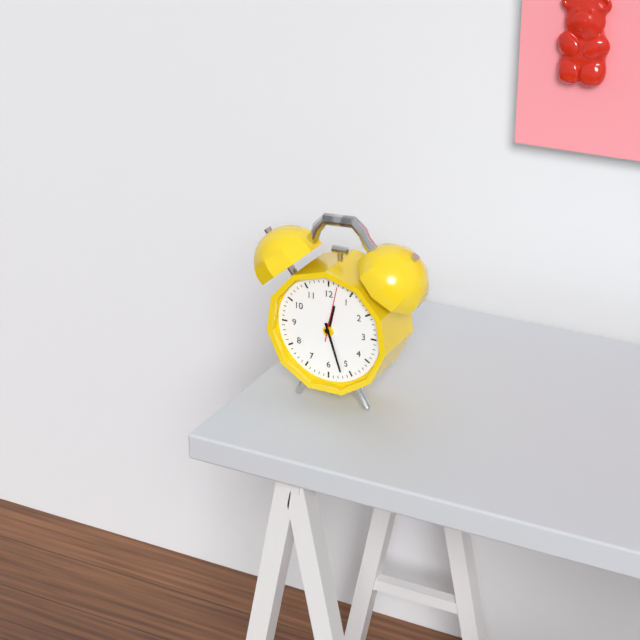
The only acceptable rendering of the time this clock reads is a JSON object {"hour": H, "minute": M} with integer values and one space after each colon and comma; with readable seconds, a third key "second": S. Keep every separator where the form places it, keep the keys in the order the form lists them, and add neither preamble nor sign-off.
{"hour": 12, "minute": 27, "second": 2}
